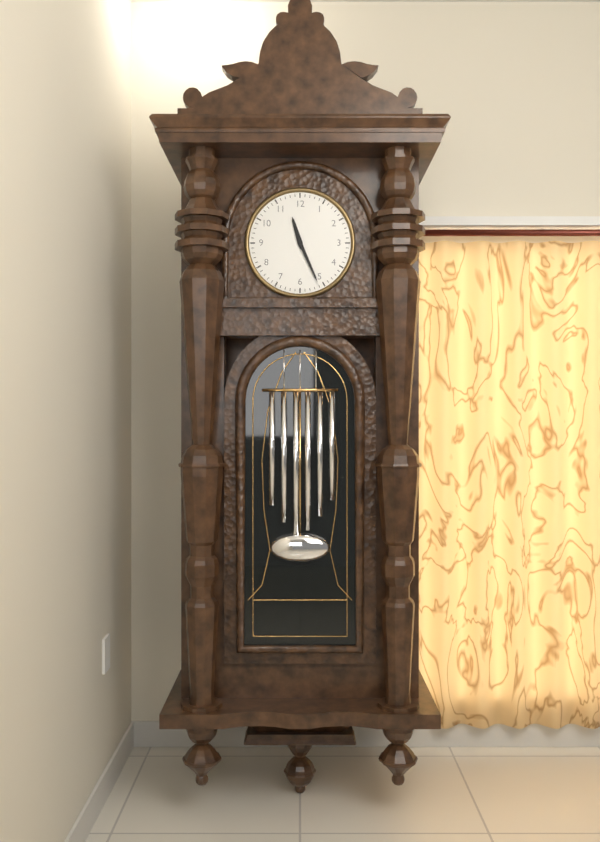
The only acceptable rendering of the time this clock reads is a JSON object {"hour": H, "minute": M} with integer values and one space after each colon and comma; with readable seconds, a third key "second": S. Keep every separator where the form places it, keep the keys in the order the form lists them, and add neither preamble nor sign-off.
{"hour": 11, "minute": 26}
